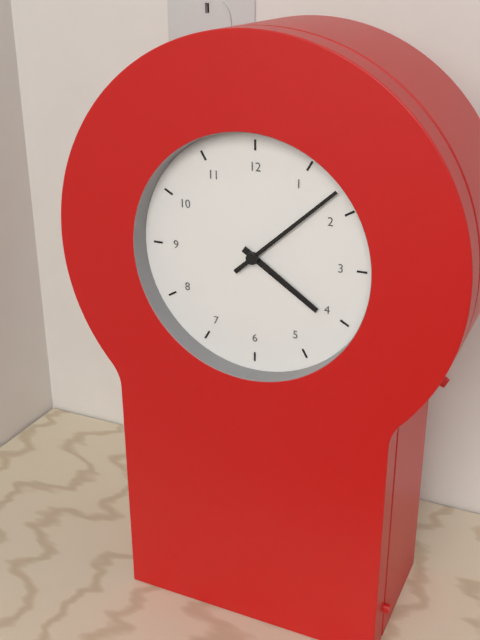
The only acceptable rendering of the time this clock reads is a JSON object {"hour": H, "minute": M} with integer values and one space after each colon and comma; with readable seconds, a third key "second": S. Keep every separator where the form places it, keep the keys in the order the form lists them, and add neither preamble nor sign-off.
{"hour": 4, "minute": 8}
